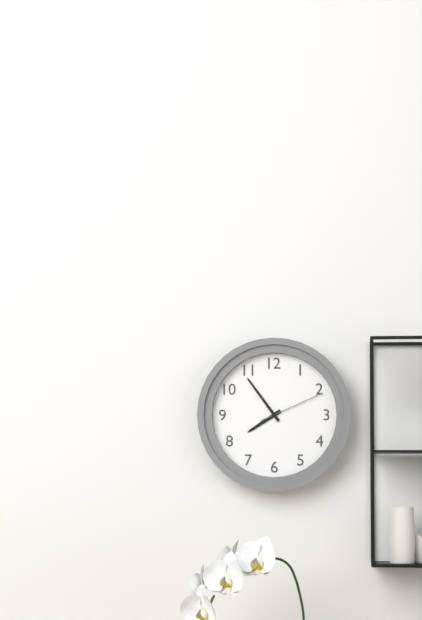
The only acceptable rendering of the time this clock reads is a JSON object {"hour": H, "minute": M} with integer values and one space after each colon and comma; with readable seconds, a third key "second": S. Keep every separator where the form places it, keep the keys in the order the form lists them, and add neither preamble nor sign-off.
{"hour": 7, "minute": 54, "second": 11}
